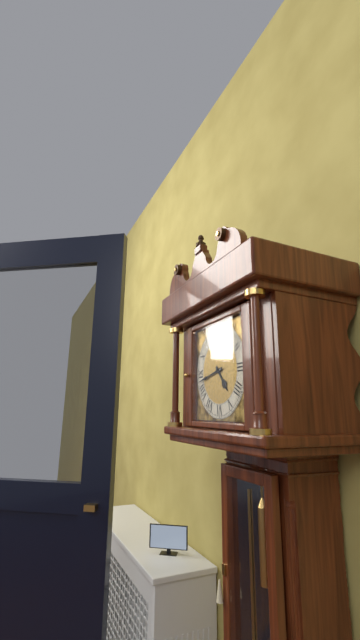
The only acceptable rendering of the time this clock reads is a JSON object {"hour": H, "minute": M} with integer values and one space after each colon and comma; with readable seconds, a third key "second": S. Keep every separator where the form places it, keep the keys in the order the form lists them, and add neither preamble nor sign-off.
{"hour": 4, "minute": 43}
